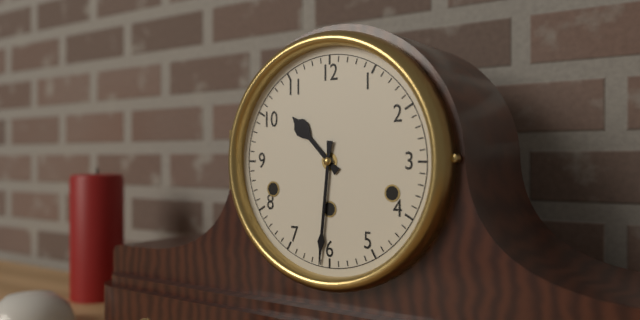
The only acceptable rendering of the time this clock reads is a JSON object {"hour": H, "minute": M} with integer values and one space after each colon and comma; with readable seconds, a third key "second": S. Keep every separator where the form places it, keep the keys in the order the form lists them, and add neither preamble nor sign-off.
{"hour": 10, "minute": 31}
